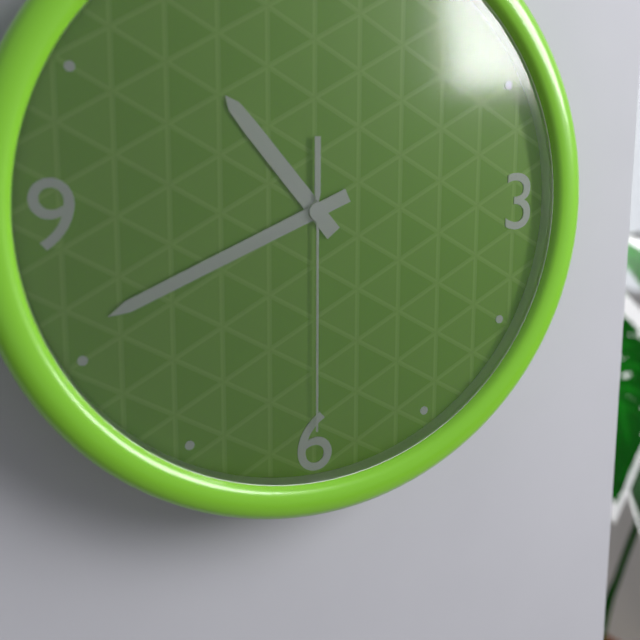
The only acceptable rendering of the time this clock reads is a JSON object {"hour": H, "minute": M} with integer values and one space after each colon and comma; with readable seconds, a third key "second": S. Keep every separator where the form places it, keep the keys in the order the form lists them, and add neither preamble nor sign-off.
{"hour": 10, "minute": 41, "second": 30}
